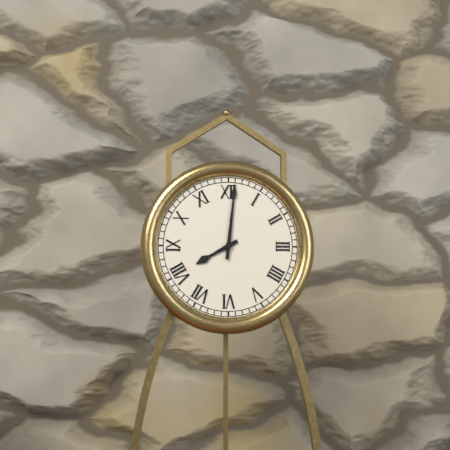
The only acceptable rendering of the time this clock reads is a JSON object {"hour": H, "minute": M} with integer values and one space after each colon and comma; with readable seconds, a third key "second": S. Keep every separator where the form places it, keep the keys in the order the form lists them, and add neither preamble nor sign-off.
{"hour": 8, "minute": 1}
